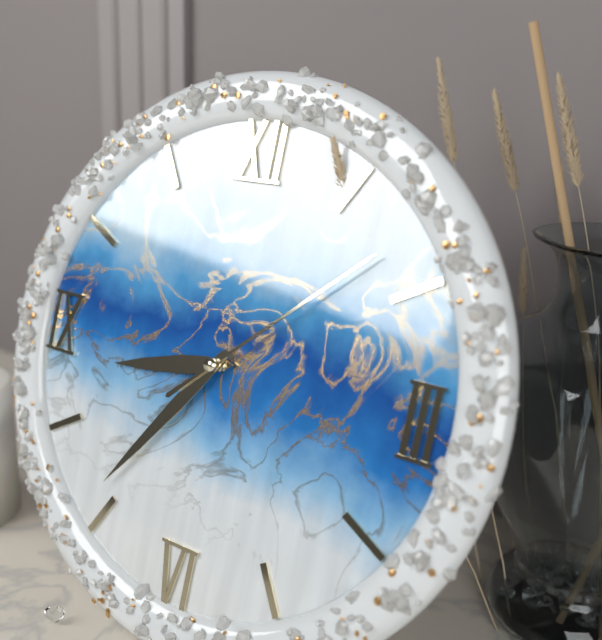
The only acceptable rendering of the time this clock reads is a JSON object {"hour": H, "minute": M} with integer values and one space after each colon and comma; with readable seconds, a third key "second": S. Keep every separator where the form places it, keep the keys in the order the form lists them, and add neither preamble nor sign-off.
{"hour": 8, "minute": 36, "second": 8}
